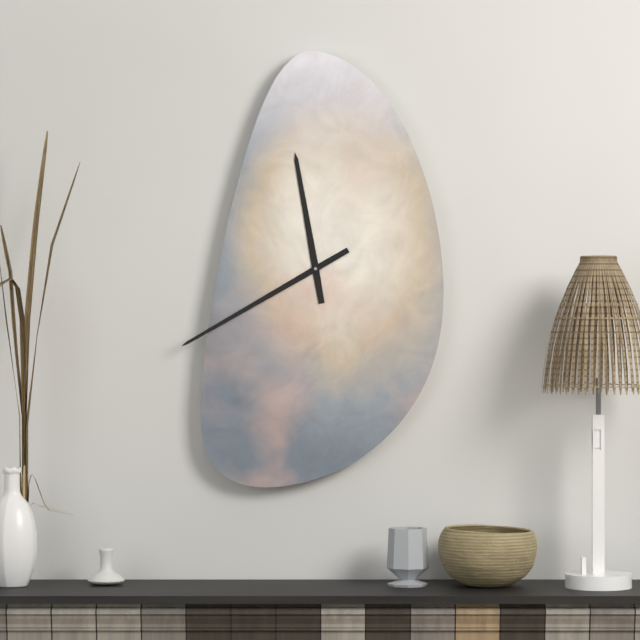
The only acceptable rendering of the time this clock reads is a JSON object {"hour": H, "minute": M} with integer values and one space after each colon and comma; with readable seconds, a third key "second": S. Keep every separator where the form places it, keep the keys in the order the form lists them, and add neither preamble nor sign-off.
{"hour": 11, "minute": 40}
